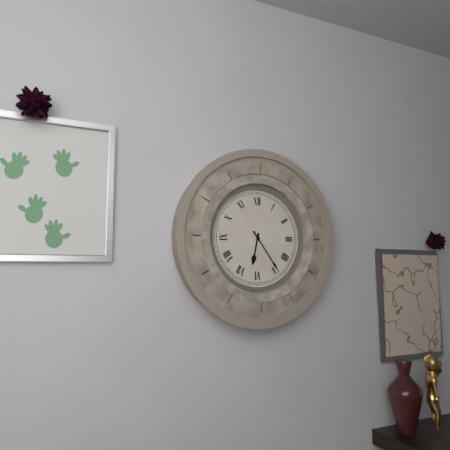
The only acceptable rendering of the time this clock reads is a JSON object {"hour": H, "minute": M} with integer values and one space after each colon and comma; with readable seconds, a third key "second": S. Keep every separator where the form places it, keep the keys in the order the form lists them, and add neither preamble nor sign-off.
{"hour": 6, "minute": 24}
